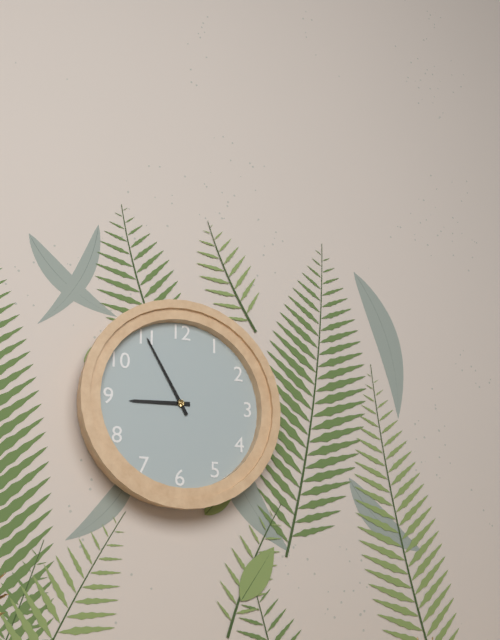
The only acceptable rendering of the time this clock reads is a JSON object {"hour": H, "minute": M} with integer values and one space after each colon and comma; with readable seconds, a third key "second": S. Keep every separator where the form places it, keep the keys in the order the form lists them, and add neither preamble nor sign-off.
{"hour": 8, "minute": 55}
